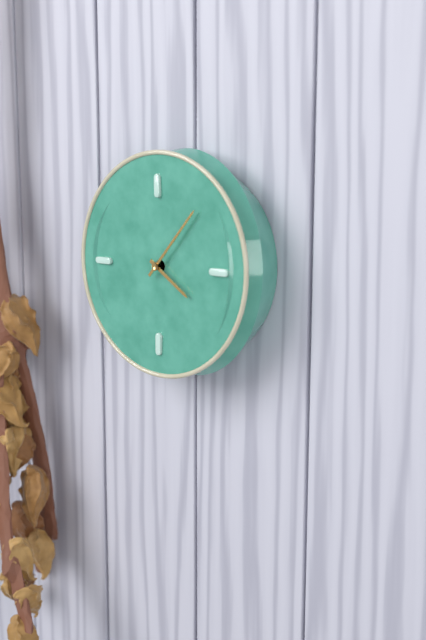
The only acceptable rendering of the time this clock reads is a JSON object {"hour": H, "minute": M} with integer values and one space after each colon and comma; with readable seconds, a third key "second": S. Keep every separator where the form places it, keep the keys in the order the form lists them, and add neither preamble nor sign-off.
{"hour": 4, "minute": 7}
